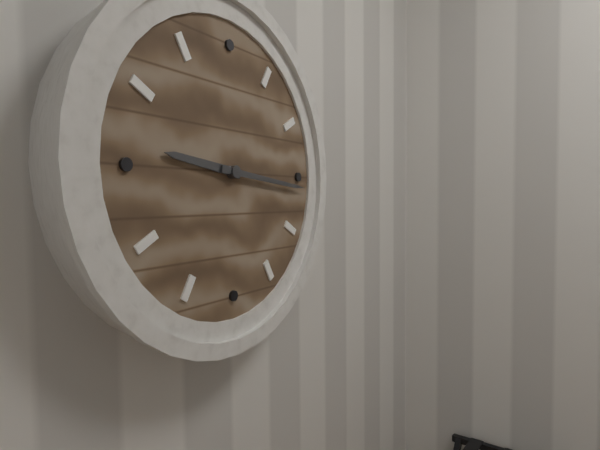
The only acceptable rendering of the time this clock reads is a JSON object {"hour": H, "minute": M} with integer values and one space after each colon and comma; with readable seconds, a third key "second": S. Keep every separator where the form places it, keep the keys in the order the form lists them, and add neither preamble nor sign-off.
{"hour": 9, "minute": 16}
